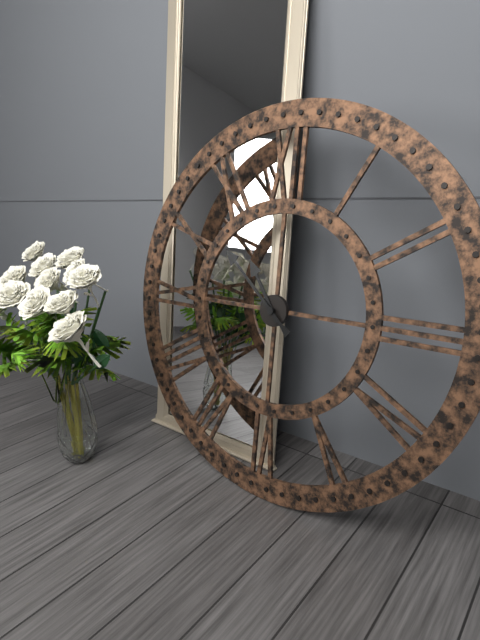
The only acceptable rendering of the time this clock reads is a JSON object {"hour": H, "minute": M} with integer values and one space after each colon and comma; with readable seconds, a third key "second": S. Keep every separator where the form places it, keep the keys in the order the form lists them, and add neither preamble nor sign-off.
{"hour": 10, "minute": 52}
